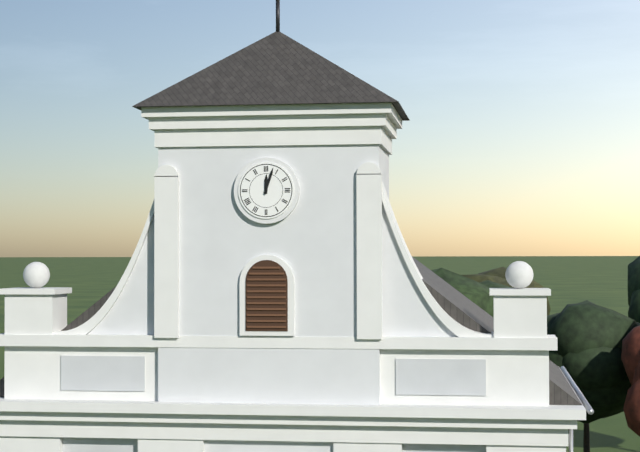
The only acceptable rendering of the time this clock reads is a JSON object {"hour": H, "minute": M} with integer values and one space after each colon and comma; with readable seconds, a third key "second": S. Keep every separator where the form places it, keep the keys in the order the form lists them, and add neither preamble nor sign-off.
{"hour": 12, "minute": 3}
